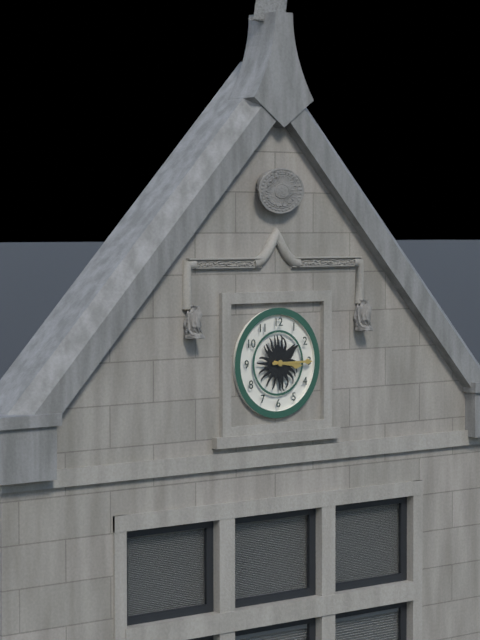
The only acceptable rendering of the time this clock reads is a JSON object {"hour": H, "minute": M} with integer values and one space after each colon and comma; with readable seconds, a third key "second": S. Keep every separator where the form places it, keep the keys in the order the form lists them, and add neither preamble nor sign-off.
{"hour": 3, "minute": 15}
